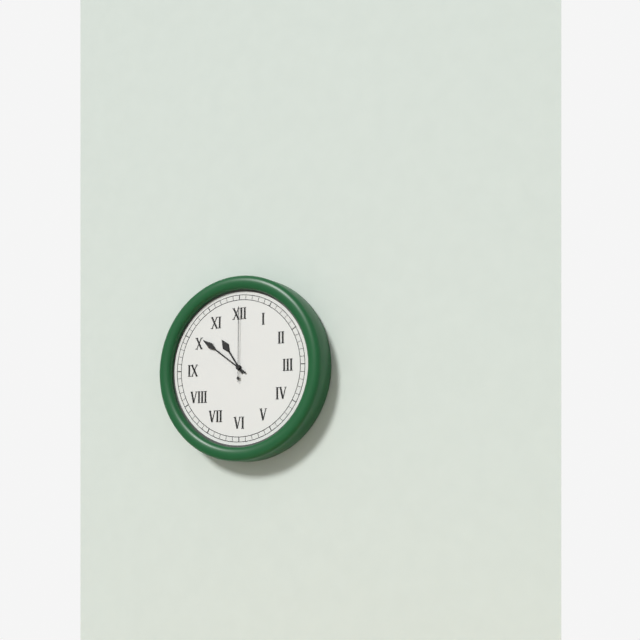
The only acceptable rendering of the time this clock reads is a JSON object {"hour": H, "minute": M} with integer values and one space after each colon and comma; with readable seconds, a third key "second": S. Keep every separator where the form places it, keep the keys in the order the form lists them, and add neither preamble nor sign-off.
{"hour": 10, "minute": 51, "second": 0}
